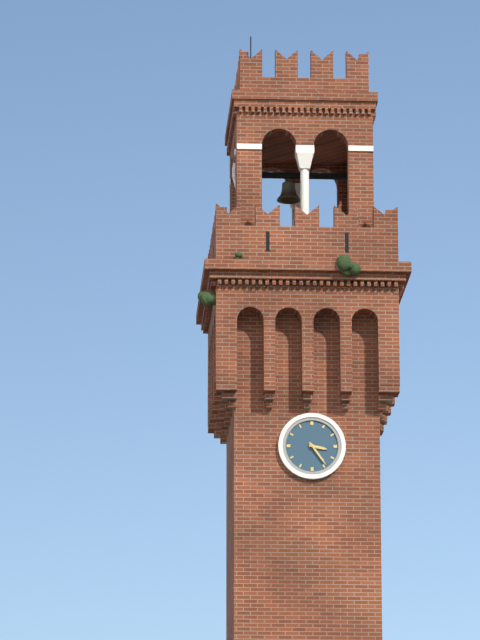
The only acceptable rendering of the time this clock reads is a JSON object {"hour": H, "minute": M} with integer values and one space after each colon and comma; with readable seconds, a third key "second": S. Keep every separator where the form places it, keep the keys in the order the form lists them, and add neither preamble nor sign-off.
{"hour": 3, "minute": 24}
